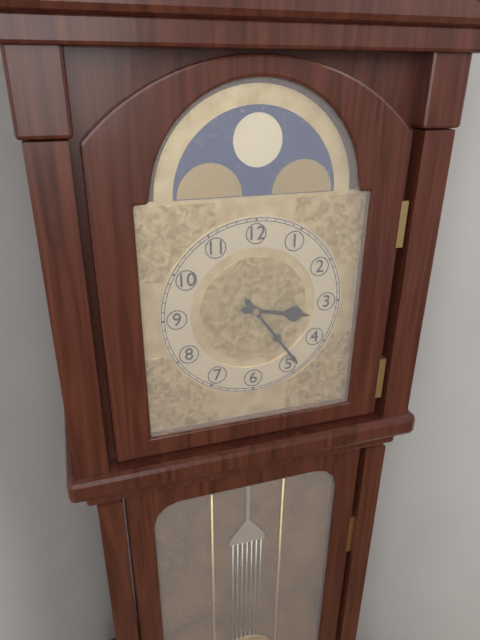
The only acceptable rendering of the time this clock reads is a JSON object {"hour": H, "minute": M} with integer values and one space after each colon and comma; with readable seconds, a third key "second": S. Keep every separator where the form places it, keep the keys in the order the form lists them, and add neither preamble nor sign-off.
{"hour": 3, "minute": 24}
